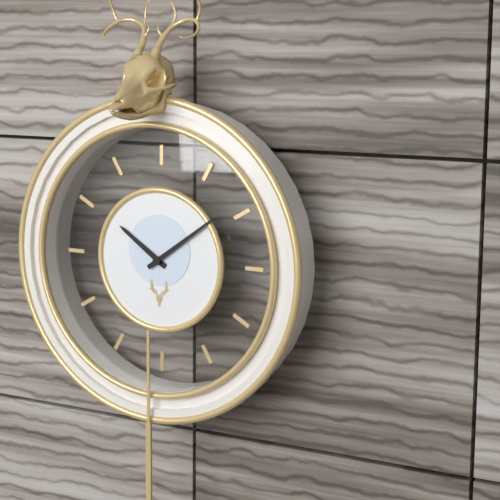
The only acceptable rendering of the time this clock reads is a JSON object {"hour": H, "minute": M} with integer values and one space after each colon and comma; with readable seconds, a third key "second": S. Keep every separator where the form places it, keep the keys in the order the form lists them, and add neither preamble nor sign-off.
{"hour": 10, "minute": 9}
